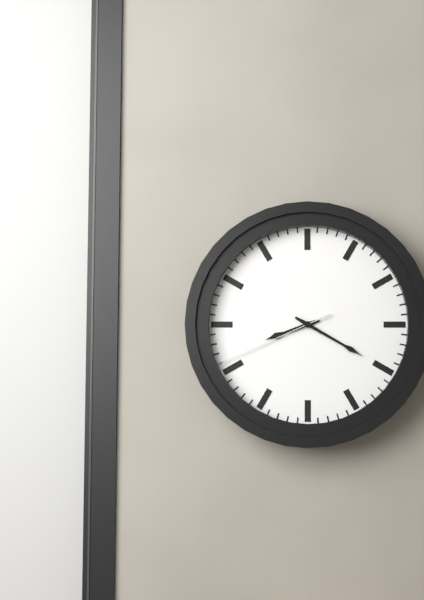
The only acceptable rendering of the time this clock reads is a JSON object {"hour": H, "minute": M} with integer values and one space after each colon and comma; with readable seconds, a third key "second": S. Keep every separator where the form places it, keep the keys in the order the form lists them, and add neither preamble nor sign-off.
{"hour": 8, "minute": 20, "second": 41}
